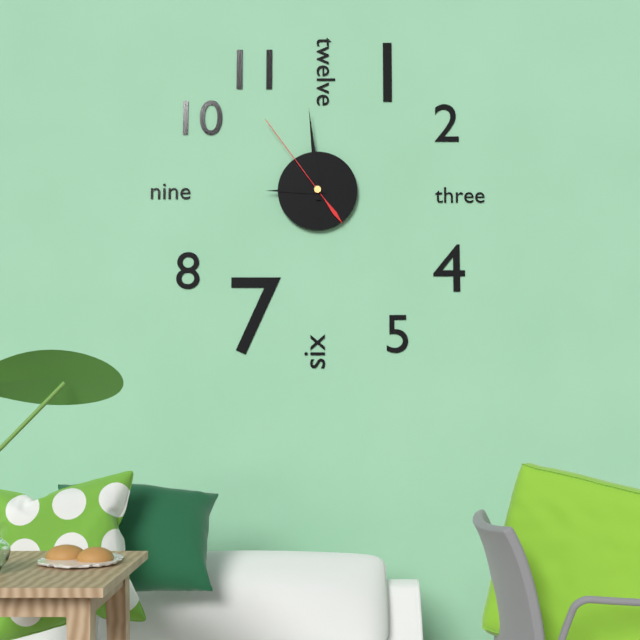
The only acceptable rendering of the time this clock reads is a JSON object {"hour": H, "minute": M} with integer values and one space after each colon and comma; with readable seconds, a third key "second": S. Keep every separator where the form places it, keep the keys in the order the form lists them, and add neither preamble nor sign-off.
{"hour": 8, "minute": 59, "second": 54}
